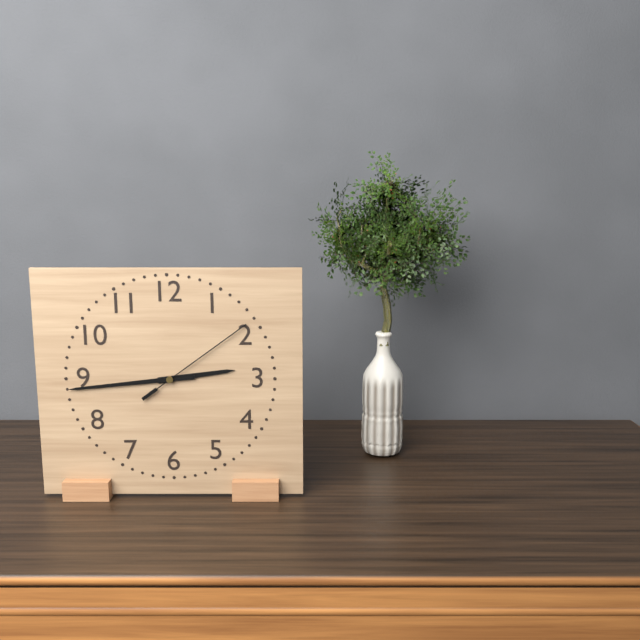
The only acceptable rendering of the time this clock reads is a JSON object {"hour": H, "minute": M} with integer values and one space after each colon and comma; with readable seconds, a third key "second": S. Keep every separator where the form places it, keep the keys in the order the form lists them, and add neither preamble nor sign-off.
{"hour": 2, "minute": 44, "second": 9}
